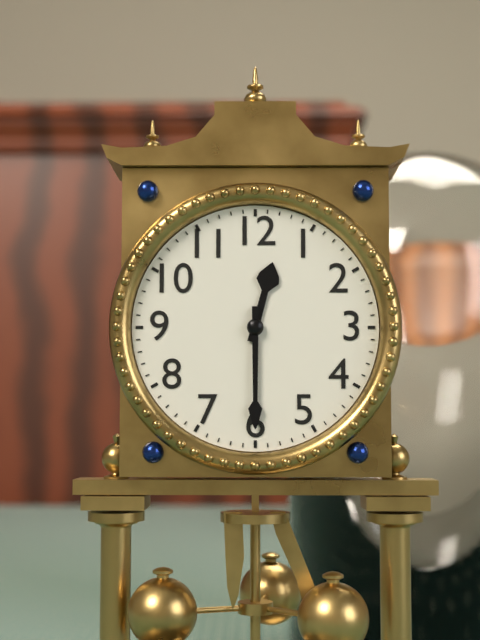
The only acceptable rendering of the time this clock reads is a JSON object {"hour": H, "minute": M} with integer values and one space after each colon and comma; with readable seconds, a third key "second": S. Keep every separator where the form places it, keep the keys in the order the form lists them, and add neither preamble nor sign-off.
{"hour": 12, "minute": 30}
